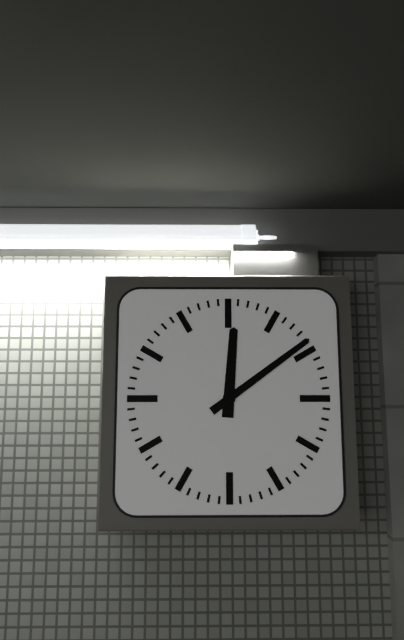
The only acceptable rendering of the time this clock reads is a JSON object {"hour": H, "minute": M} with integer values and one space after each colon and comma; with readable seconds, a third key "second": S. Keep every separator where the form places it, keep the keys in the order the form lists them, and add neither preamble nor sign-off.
{"hour": 12, "minute": 9}
